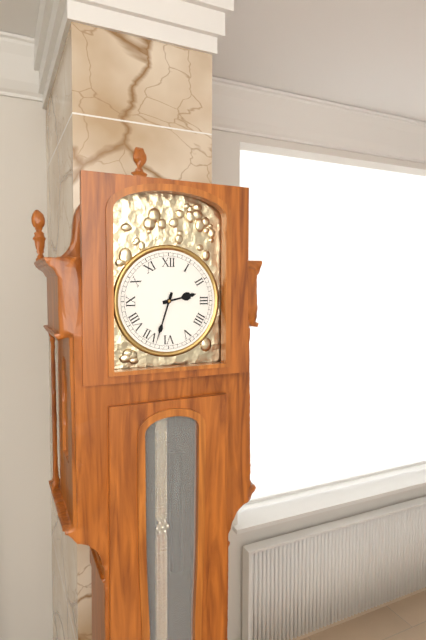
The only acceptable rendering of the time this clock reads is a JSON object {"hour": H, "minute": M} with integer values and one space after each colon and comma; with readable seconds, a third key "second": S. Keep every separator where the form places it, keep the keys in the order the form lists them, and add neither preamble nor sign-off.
{"hour": 2, "minute": 33}
